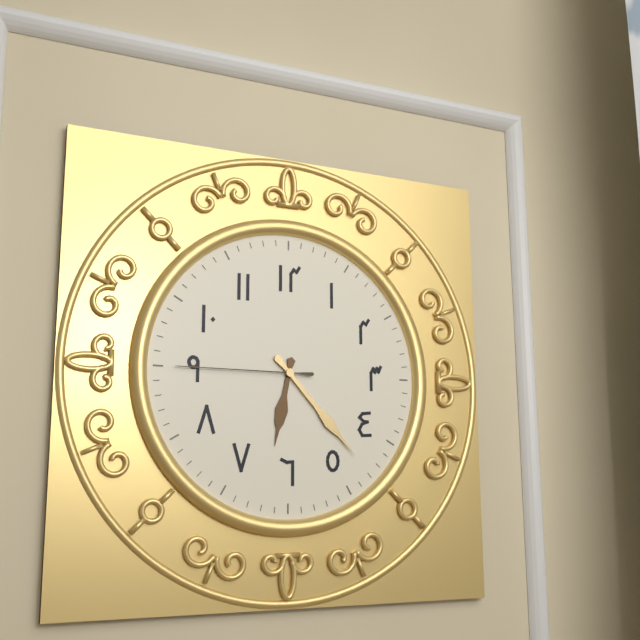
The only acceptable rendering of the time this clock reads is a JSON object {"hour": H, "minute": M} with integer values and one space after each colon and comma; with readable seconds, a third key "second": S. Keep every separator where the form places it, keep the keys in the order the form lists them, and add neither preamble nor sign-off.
{"hour": 6, "minute": 23, "second": 45}
